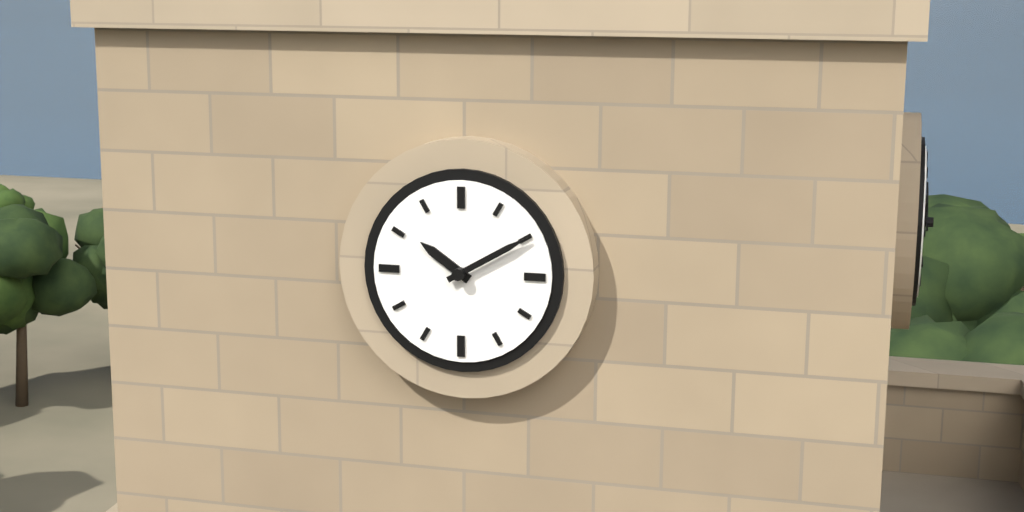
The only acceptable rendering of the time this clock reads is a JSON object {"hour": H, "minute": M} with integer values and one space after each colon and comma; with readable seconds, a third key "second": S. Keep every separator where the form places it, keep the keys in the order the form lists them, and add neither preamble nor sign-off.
{"hour": 10, "minute": 10}
